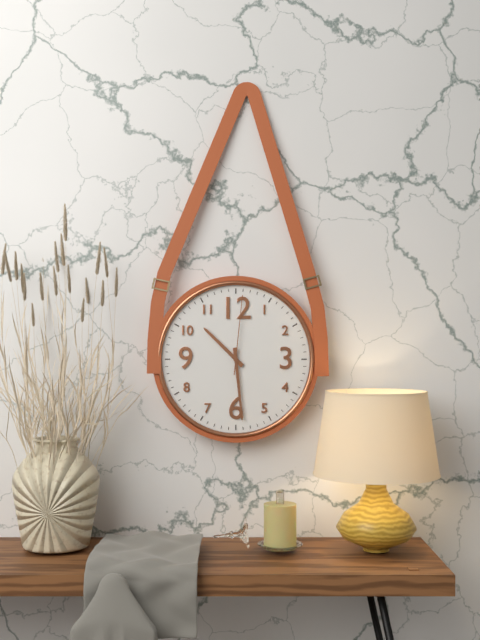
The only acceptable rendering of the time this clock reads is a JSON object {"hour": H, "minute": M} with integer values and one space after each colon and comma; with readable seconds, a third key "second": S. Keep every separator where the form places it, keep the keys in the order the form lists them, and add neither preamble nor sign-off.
{"hour": 10, "minute": 29, "second": 1}
